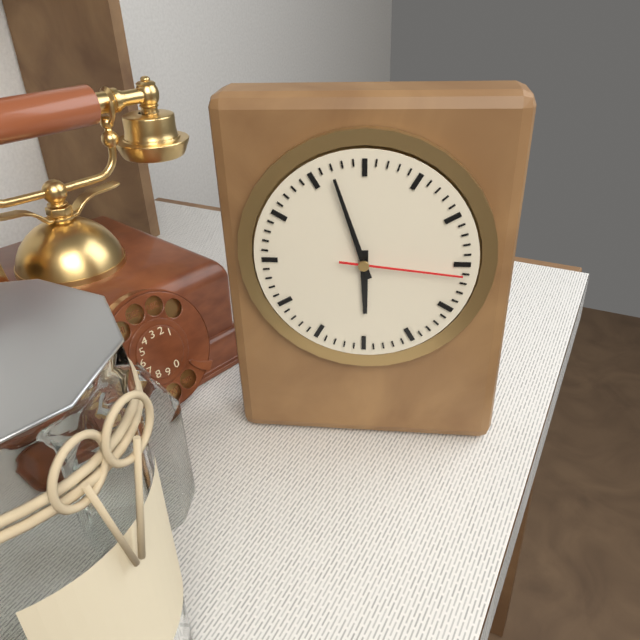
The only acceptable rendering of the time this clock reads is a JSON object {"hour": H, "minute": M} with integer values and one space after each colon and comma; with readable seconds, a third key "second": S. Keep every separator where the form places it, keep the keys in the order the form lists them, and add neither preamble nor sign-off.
{"hour": 5, "minute": 57, "second": 16}
